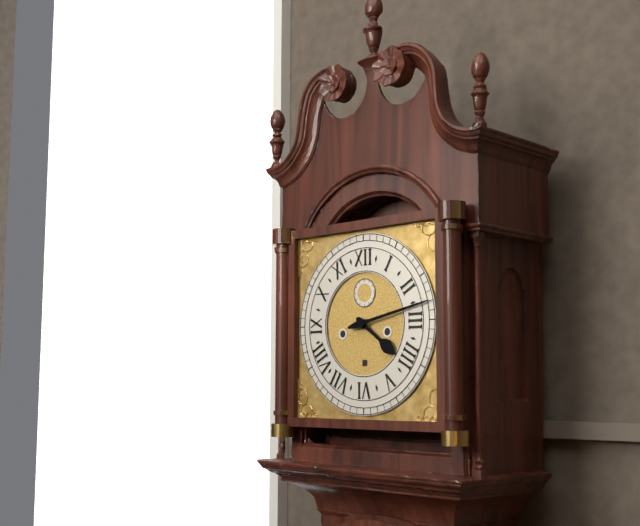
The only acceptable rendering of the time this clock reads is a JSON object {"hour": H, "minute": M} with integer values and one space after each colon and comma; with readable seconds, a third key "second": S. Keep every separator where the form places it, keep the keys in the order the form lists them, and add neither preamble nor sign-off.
{"hour": 4, "minute": 13}
